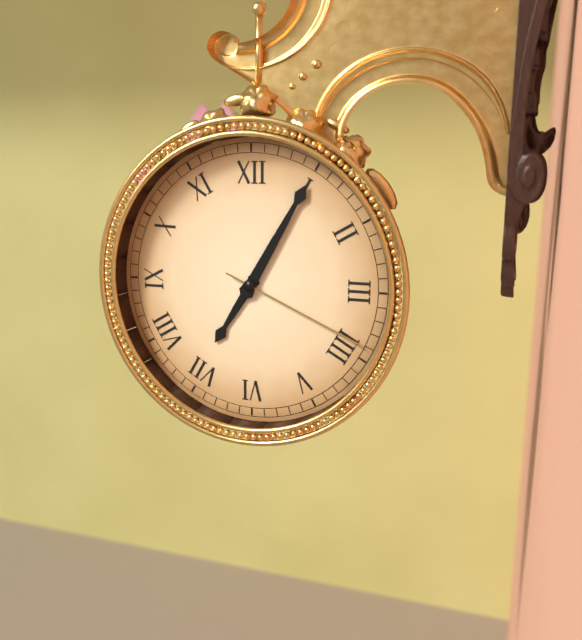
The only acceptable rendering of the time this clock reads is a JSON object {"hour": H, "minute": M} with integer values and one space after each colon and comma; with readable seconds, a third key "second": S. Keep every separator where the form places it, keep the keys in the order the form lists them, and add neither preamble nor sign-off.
{"hour": 7, "minute": 5, "second": 19}
